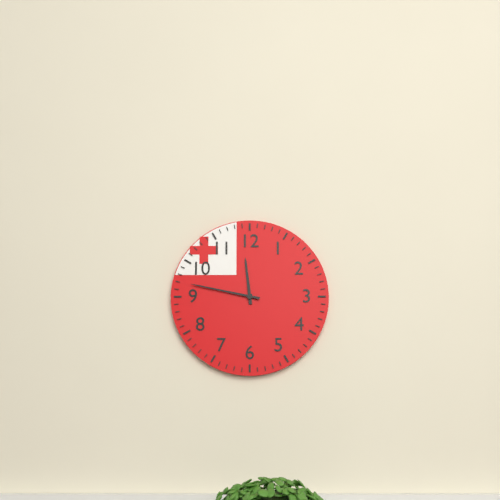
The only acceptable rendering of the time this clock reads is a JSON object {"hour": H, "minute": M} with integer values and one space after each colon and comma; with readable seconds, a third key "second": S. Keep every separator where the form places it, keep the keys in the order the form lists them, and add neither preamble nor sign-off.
{"hour": 11, "minute": 47}
